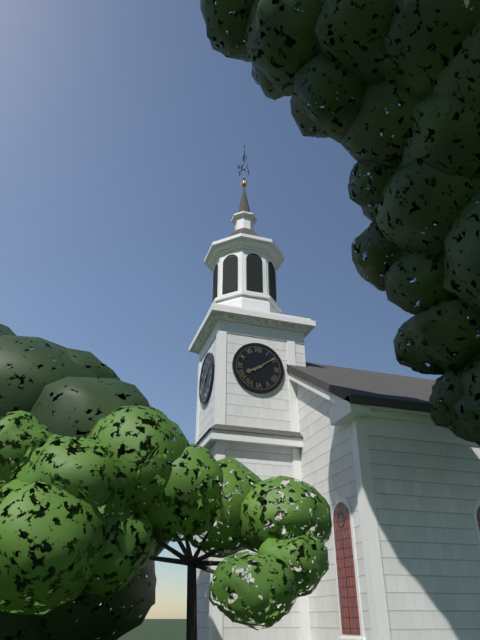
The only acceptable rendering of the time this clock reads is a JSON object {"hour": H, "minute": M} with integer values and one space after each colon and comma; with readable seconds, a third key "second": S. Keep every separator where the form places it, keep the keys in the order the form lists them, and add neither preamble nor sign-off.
{"hour": 8, "minute": 9}
